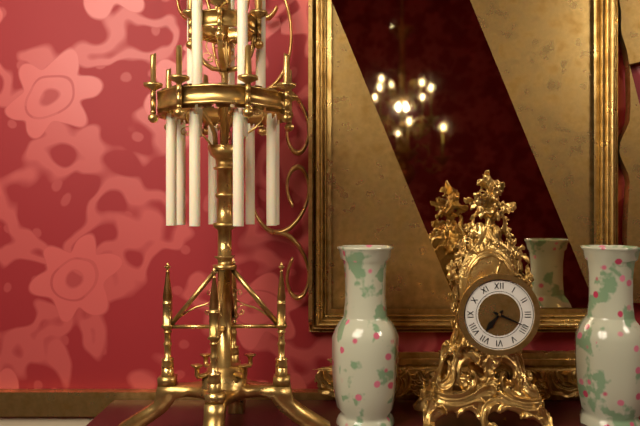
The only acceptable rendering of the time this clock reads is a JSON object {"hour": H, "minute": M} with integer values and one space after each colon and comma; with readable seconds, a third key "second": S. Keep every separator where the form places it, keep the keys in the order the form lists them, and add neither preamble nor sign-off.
{"hour": 7, "minute": 19}
